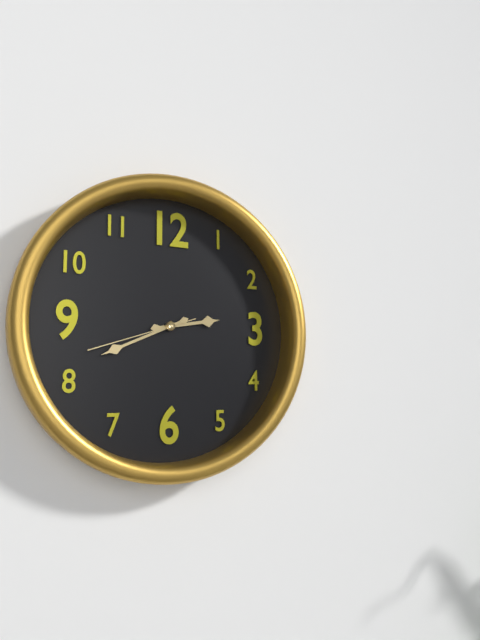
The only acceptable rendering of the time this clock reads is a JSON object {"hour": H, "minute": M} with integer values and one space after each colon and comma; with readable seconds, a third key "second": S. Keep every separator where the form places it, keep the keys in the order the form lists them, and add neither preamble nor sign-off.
{"hour": 2, "minute": 41, "second": 42}
